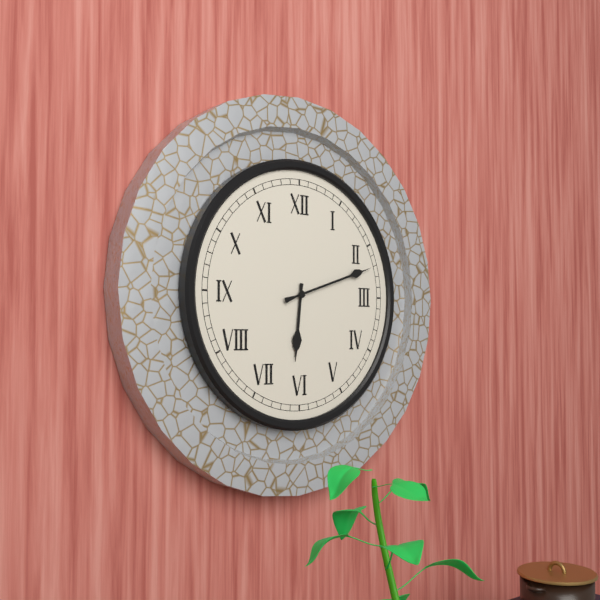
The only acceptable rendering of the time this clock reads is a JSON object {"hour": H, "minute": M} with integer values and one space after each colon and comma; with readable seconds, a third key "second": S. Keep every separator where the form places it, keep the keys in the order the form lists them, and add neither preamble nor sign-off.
{"hour": 6, "minute": 12}
